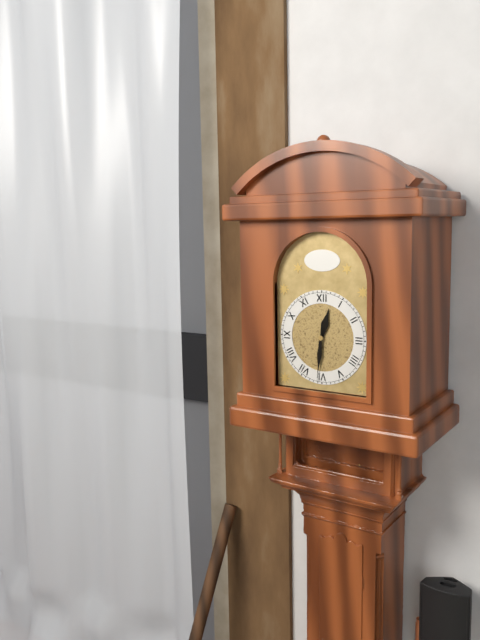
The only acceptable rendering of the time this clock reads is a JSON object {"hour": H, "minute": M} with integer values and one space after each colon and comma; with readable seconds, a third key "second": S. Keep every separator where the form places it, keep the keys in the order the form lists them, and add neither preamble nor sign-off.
{"hour": 12, "minute": 31}
